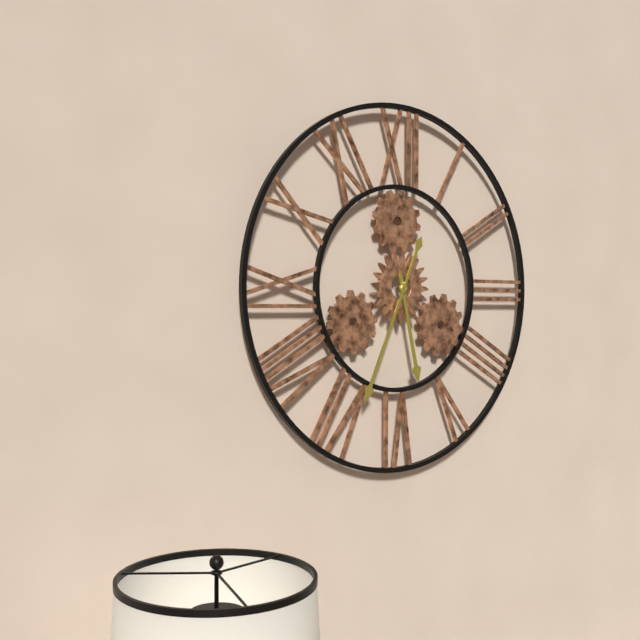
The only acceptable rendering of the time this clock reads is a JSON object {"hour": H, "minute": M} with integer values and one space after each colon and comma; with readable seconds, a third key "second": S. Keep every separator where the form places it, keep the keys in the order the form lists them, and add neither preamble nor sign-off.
{"hour": 5, "minute": 34}
